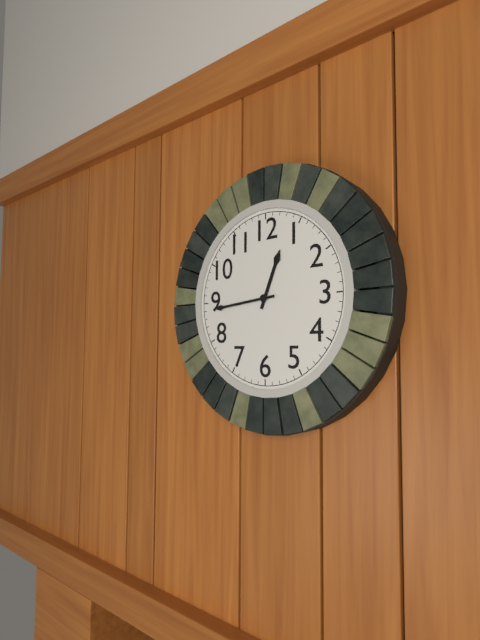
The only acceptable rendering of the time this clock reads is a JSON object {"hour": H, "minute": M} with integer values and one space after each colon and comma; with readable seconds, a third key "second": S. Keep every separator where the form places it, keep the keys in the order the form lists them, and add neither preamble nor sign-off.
{"hour": 12, "minute": 44}
